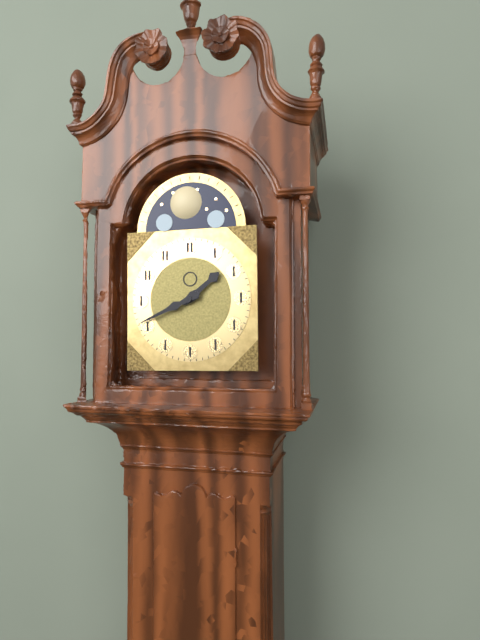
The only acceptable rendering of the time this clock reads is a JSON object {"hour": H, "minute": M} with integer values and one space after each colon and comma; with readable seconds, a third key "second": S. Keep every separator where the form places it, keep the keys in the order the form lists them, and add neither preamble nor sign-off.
{"hour": 1, "minute": 41}
